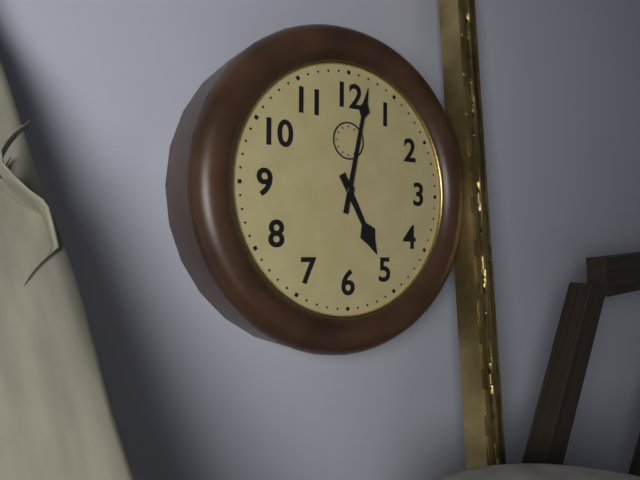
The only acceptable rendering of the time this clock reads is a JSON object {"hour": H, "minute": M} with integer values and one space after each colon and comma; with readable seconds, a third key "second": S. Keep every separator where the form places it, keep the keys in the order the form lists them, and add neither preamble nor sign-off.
{"hour": 5, "minute": 2}
